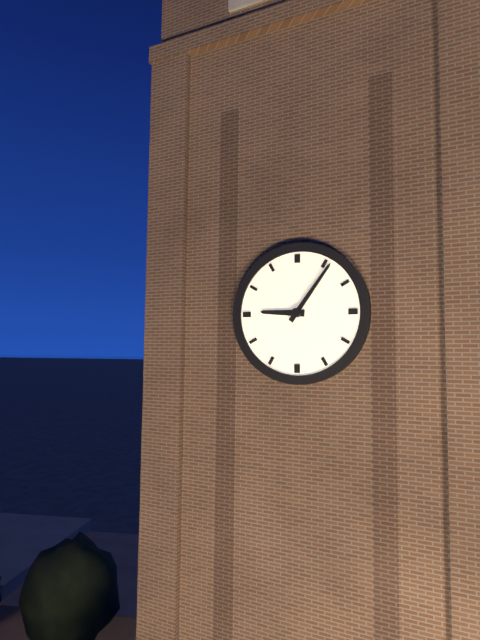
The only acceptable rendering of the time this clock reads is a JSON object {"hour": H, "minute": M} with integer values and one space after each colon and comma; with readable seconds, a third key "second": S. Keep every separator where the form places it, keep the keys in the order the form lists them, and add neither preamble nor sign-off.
{"hour": 9, "minute": 6}
